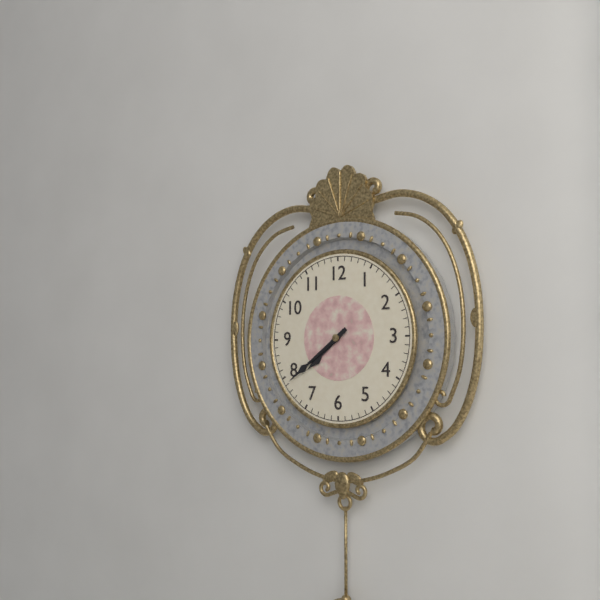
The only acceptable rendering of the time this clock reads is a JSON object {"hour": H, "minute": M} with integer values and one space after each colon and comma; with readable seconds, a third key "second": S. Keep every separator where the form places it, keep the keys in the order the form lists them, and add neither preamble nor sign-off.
{"hour": 7, "minute": 39}
